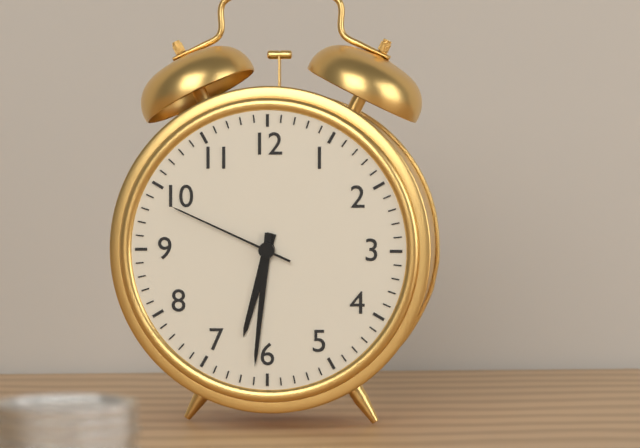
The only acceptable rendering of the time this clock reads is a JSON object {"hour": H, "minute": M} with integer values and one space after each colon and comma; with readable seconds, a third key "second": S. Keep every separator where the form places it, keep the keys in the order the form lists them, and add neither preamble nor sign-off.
{"hour": 6, "minute": 31, "second": 49}
